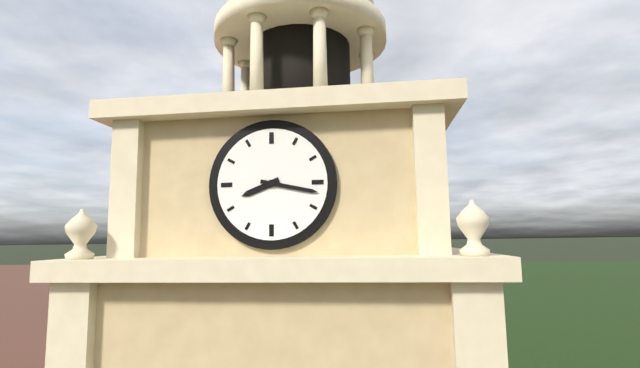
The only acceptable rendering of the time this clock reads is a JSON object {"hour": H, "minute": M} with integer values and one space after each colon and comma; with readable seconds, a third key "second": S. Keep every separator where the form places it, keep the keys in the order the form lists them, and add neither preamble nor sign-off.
{"hour": 8, "minute": 17}
